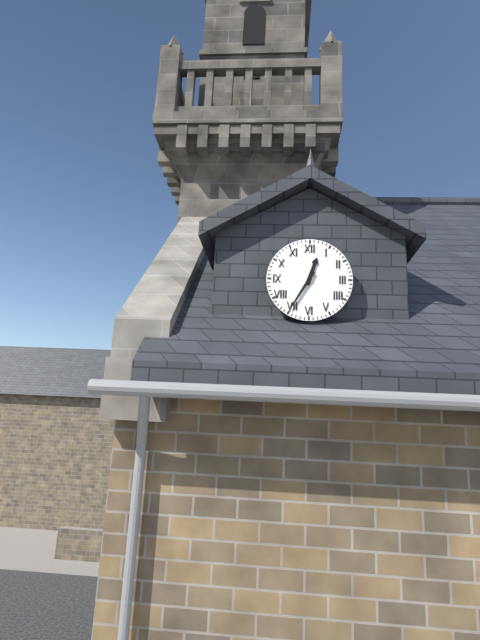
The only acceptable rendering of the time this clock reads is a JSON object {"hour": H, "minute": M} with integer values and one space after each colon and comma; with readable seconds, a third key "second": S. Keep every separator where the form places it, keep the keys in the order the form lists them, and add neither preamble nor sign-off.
{"hour": 12, "minute": 35}
